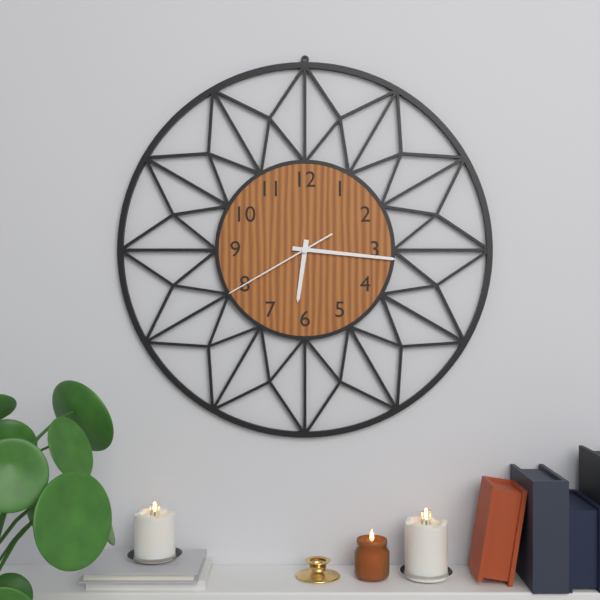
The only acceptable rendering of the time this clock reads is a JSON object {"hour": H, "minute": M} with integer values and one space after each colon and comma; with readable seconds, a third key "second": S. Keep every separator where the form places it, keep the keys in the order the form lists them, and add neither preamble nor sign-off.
{"hour": 6, "minute": 16, "second": 40}
